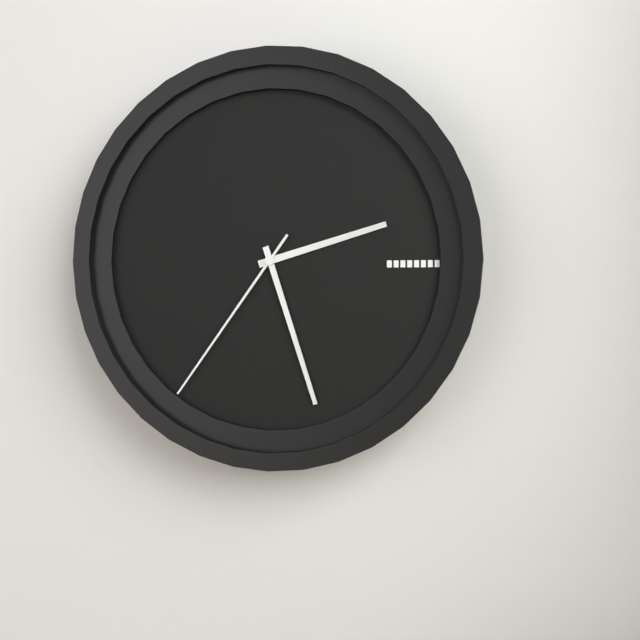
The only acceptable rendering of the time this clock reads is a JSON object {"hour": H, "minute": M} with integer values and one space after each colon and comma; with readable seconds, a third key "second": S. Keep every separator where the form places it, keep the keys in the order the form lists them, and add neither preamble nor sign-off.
{"hour": 2, "minute": 27, "second": 36}
